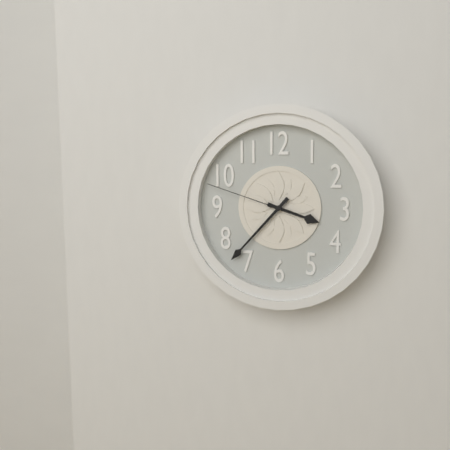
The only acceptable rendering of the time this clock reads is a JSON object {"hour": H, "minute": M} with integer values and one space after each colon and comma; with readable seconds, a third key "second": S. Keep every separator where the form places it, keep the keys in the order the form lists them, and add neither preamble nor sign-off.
{"hour": 3, "minute": 37, "second": 48}
